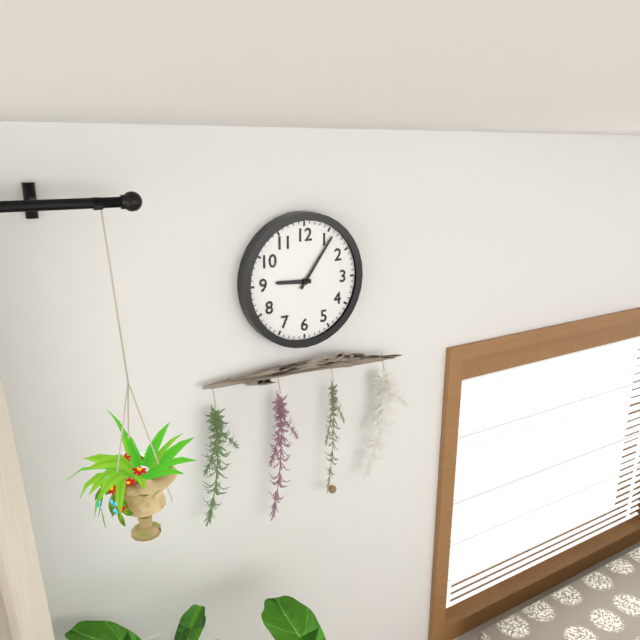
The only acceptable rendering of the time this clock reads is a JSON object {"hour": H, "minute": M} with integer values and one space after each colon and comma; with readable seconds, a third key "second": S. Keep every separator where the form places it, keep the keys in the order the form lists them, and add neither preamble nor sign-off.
{"hour": 9, "minute": 6}
